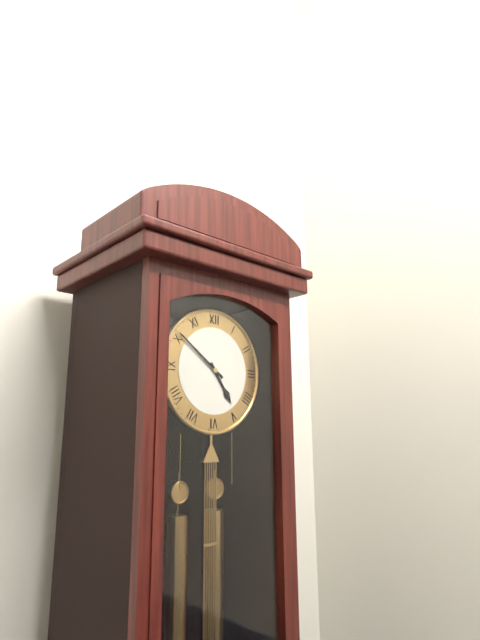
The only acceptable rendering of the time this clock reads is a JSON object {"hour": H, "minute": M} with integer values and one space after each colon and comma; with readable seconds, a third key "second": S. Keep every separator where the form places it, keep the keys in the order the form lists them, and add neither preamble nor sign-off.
{"hour": 4, "minute": 51}
